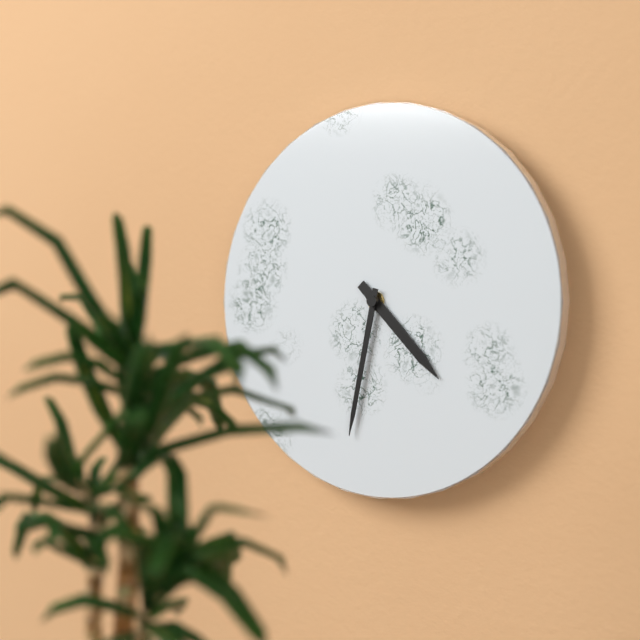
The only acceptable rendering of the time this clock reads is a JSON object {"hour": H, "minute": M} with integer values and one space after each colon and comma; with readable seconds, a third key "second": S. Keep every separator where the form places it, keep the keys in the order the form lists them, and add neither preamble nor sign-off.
{"hour": 4, "minute": 32}
